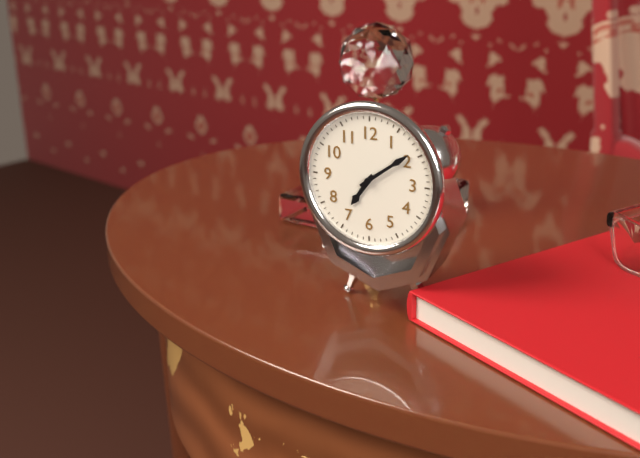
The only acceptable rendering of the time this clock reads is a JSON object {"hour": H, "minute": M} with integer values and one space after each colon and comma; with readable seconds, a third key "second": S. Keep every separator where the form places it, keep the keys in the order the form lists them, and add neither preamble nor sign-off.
{"hour": 7, "minute": 9}
